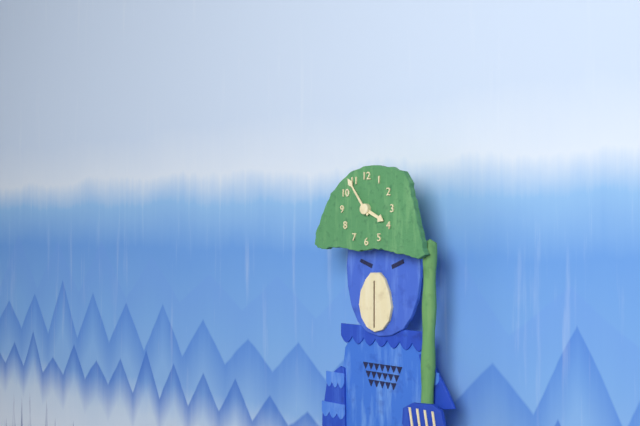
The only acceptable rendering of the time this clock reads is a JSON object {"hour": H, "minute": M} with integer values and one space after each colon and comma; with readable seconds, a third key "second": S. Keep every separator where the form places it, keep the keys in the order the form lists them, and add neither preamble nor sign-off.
{"hour": 3, "minute": 54}
